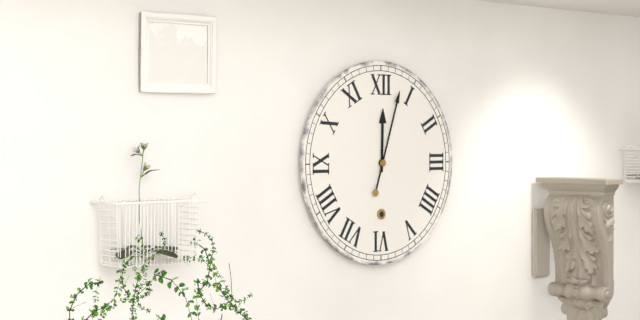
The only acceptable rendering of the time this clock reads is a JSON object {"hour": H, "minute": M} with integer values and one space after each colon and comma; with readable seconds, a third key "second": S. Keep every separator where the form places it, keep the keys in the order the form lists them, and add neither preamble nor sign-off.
{"hour": 12, "minute": 3}
